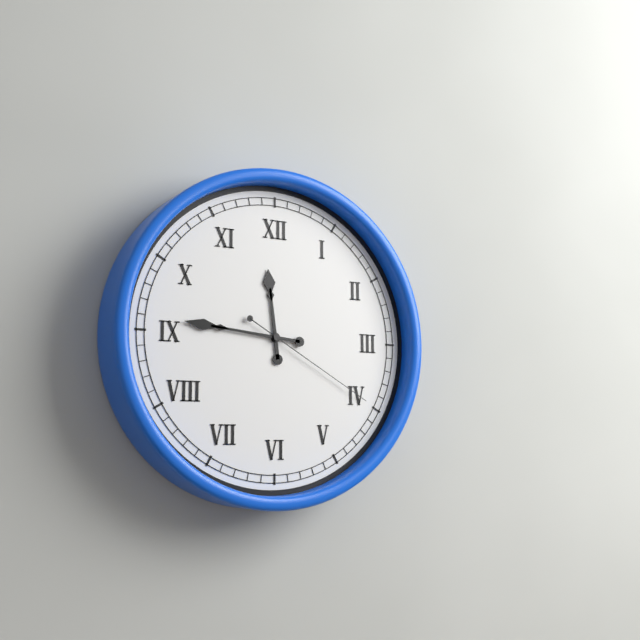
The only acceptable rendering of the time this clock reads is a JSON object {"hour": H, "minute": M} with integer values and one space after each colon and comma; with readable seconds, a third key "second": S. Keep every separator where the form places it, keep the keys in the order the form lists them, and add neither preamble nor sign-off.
{"hour": 11, "minute": 46, "second": 20}
